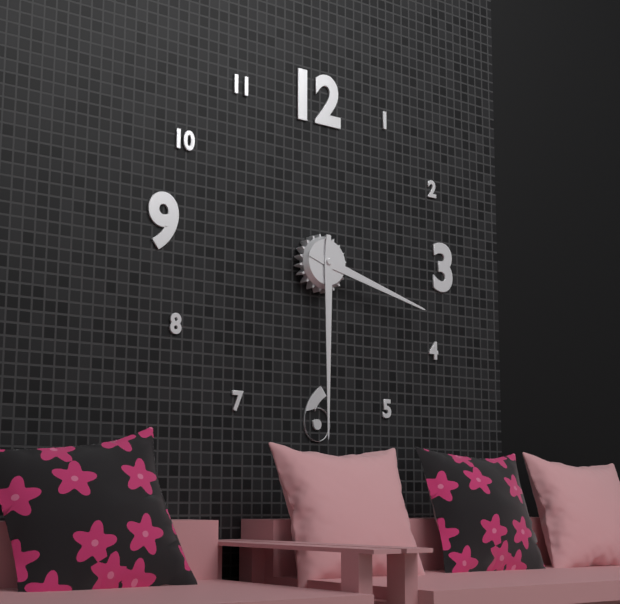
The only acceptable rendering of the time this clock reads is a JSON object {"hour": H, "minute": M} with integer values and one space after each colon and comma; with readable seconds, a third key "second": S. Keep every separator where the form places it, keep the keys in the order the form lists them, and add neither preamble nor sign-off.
{"hour": 3, "minute": 30}
